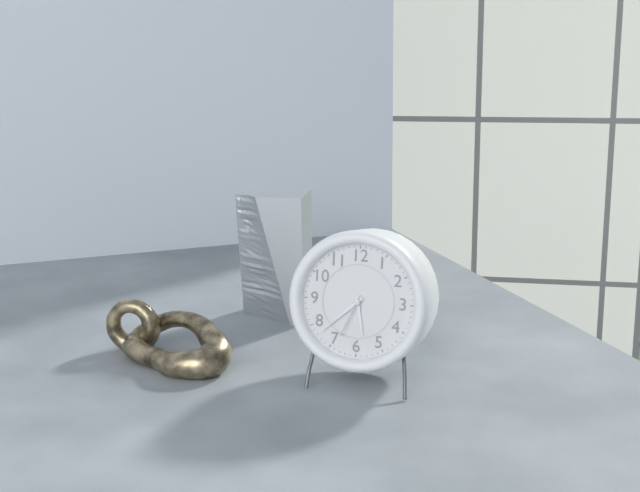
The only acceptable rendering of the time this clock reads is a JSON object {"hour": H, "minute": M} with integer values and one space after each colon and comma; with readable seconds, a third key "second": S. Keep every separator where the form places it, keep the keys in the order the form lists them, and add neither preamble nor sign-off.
{"hour": 5, "minute": 38}
